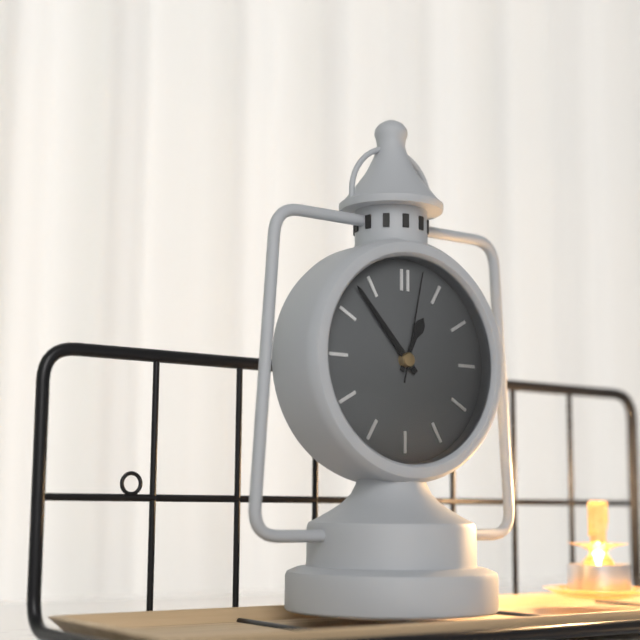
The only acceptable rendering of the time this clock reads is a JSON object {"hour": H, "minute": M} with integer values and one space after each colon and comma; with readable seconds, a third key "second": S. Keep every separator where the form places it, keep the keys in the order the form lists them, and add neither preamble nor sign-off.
{"hour": 12, "minute": 53, "second": 2}
